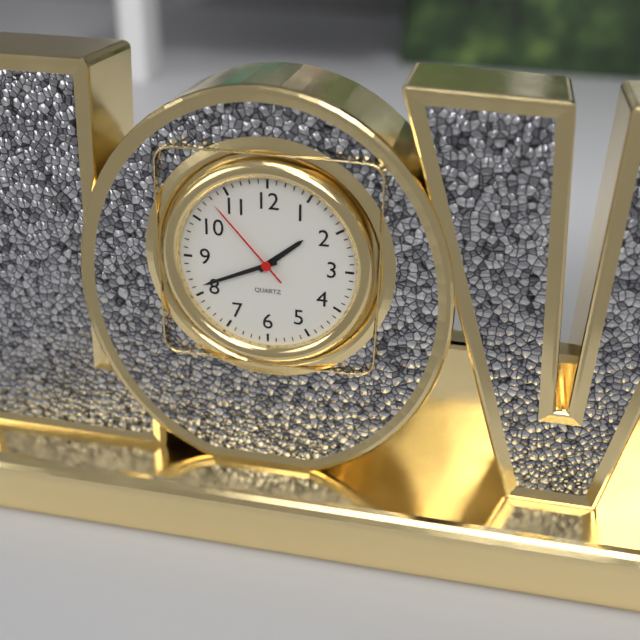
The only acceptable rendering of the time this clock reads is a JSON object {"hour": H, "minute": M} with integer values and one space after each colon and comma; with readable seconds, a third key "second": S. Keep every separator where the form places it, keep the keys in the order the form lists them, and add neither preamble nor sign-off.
{"hour": 1, "minute": 41, "second": 53}
